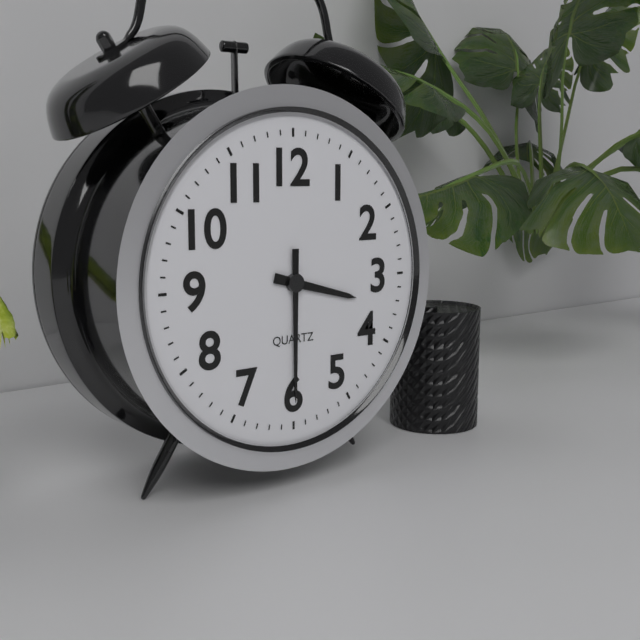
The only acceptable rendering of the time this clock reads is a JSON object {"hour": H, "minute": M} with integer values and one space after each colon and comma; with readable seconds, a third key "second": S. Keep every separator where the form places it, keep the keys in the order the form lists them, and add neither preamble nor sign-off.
{"hour": 3, "minute": 30}
